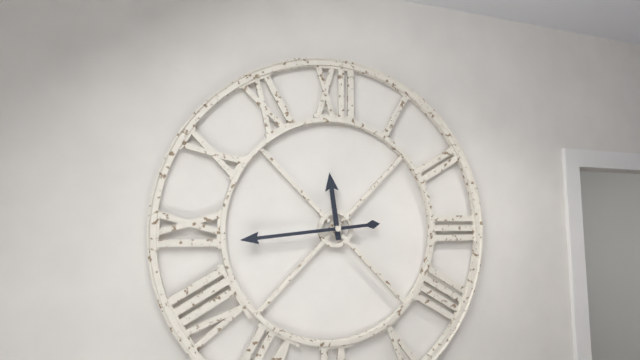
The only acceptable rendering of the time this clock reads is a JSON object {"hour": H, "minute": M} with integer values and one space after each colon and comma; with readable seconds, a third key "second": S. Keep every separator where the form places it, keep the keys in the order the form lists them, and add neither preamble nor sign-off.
{"hour": 11, "minute": 44}
